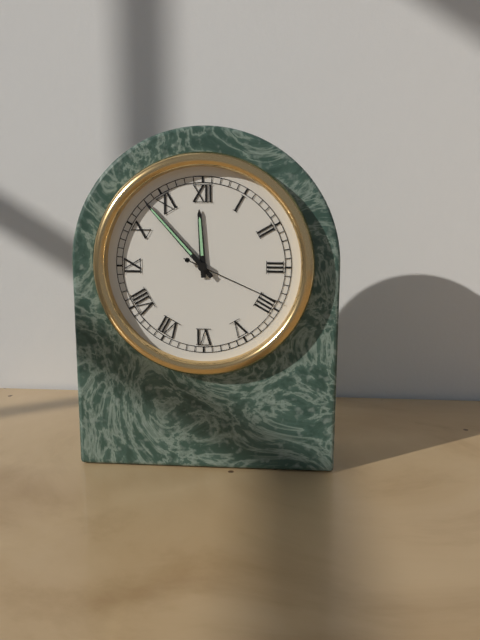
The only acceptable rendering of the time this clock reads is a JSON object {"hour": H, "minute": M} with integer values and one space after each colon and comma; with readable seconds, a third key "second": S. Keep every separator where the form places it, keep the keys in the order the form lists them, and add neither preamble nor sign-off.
{"hour": 11, "minute": 53, "second": 19}
